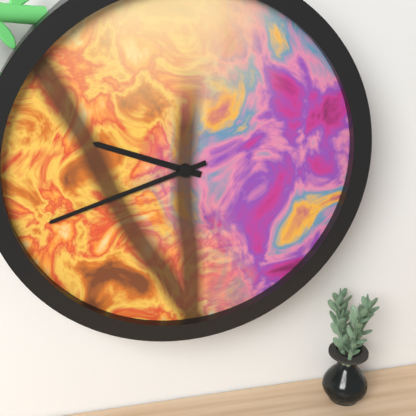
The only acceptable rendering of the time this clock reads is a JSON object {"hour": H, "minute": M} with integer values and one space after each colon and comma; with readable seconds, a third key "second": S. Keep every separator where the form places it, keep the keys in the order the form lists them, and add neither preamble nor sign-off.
{"hour": 9, "minute": 42}
